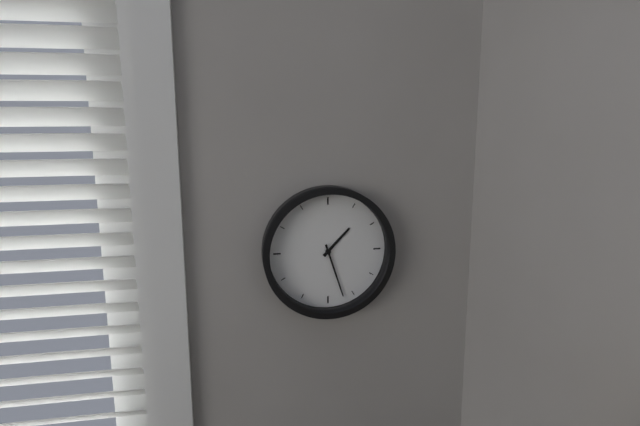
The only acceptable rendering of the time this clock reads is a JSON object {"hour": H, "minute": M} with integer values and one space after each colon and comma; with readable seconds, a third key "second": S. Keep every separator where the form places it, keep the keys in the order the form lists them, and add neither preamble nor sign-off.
{"hour": 1, "minute": 27}
